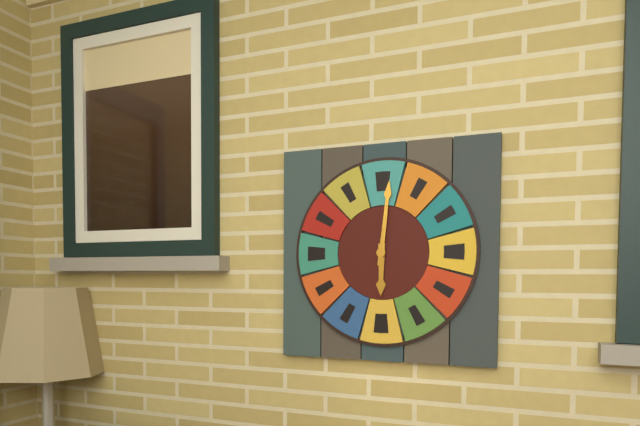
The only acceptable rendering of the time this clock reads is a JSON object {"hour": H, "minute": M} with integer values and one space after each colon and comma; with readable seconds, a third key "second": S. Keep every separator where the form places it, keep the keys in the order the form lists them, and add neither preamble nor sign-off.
{"hour": 6, "minute": 1}
